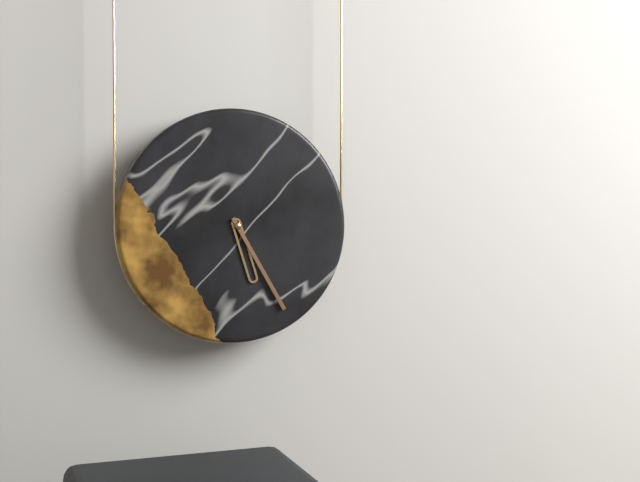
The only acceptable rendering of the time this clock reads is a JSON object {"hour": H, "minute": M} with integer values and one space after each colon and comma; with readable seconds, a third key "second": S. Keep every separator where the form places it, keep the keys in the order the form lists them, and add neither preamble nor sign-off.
{"hour": 5, "minute": 25}
